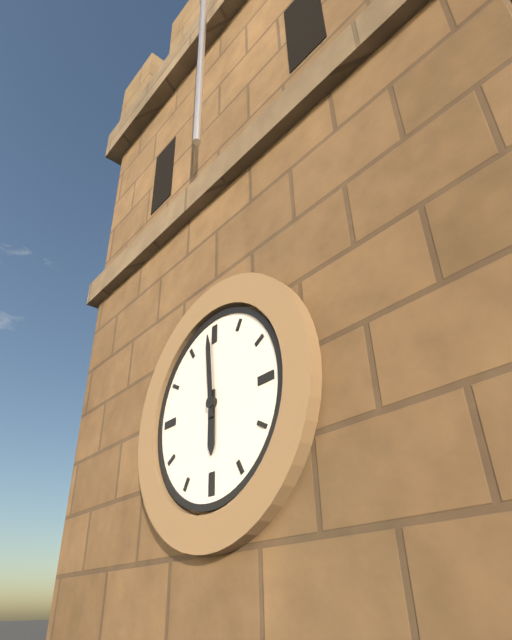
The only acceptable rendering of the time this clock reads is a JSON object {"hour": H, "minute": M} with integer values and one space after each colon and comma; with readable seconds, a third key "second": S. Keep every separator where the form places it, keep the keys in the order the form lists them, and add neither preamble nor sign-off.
{"hour": 5, "minute": 59}
